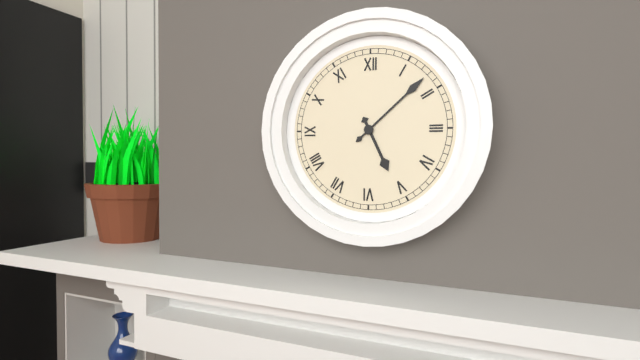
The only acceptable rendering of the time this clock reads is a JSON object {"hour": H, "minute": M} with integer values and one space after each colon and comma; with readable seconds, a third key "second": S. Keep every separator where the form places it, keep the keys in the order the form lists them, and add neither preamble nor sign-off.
{"hour": 5, "minute": 8}
